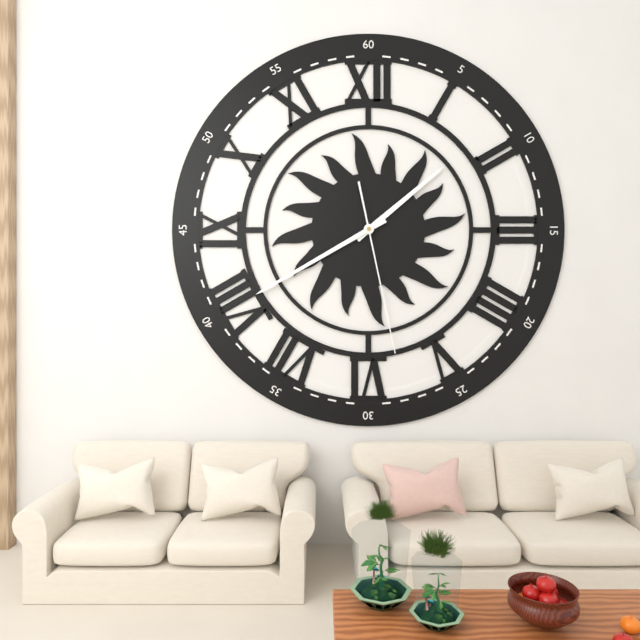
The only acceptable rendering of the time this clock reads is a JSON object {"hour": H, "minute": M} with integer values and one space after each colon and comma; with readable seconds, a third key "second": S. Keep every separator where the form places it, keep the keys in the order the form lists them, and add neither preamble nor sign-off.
{"hour": 1, "minute": 40, "second": 28}
